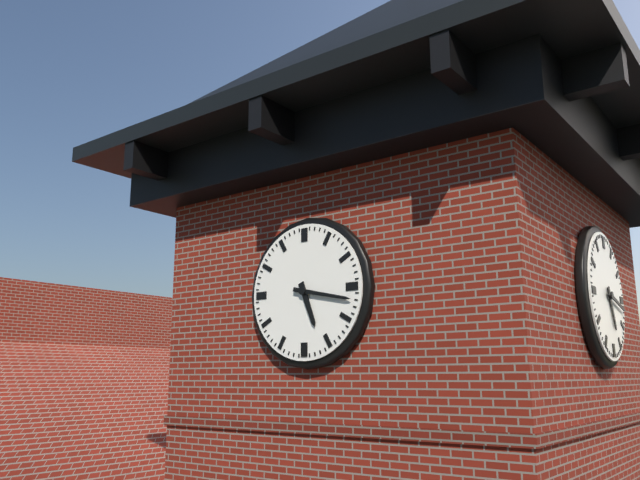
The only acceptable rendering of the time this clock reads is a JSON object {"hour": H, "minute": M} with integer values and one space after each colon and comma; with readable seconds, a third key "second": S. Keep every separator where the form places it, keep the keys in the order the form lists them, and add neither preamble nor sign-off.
{"hour": 5, "minute": 17}
